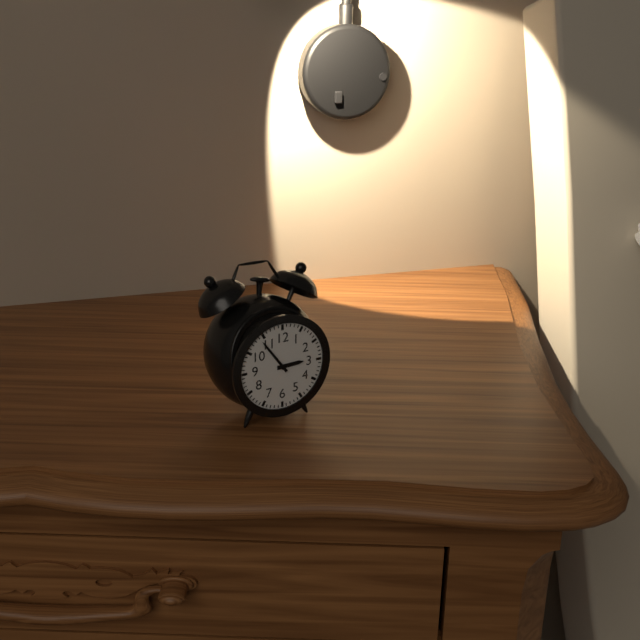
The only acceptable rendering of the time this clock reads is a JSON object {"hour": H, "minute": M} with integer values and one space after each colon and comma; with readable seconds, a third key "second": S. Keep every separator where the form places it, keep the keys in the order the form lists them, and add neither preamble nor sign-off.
{"hour": 2, "minute": 54}
